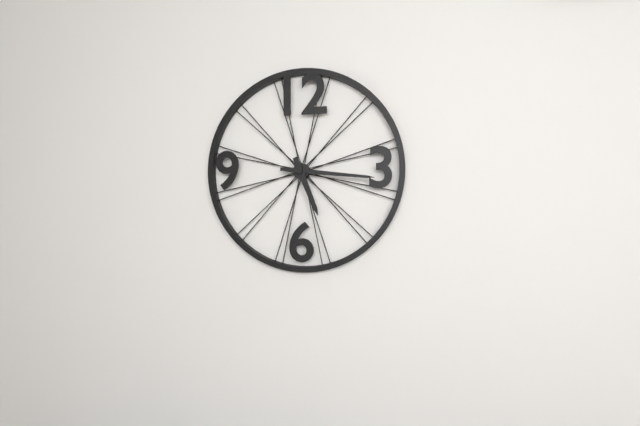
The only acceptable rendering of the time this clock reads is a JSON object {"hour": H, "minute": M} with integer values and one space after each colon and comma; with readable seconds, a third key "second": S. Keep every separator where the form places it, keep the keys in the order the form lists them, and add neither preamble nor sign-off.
{"hour": 5, "minute": 16}
